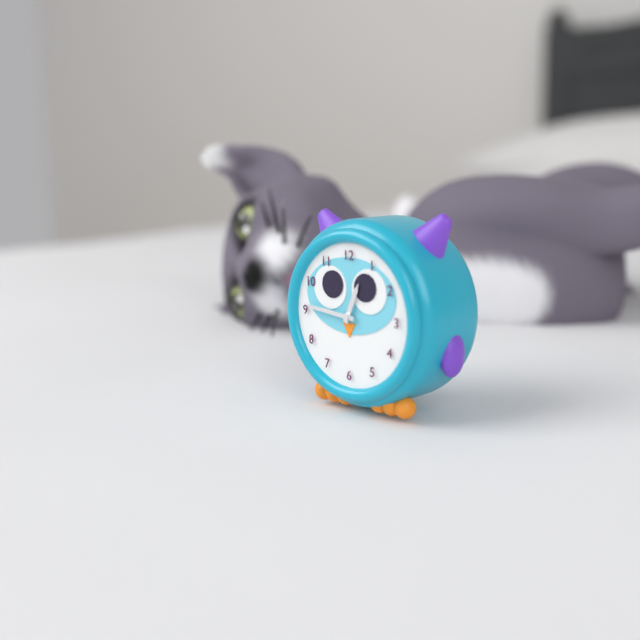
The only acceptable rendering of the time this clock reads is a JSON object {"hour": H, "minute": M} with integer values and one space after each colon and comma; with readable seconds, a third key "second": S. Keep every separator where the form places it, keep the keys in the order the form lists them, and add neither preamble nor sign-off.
{"hour": 12, "minute": 46}
